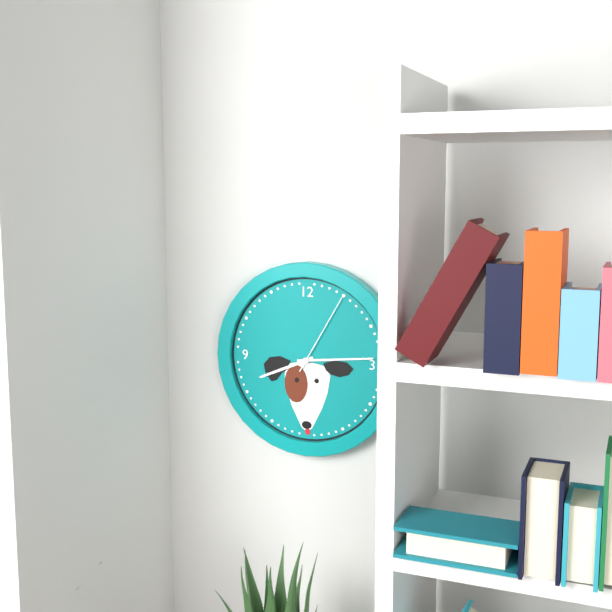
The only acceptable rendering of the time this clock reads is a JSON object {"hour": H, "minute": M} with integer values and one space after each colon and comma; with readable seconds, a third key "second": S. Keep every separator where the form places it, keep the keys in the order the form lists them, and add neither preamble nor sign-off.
{"hour": 8, "minute": 14, "second": 5}
